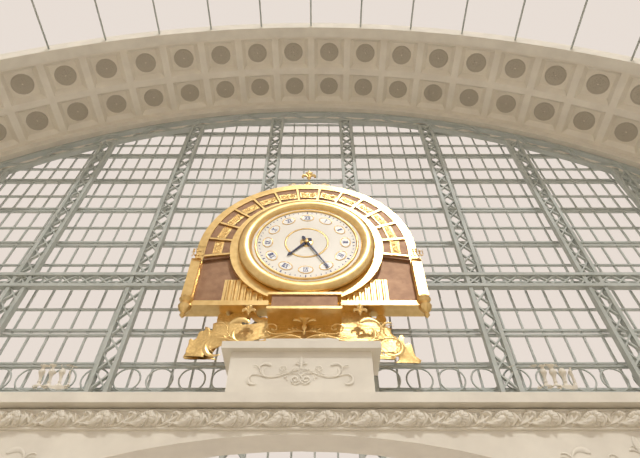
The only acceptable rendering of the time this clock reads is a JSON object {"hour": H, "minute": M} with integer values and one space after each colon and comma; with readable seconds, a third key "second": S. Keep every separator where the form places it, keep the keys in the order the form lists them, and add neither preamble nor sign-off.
{"hour": 7, "minute": 25}
